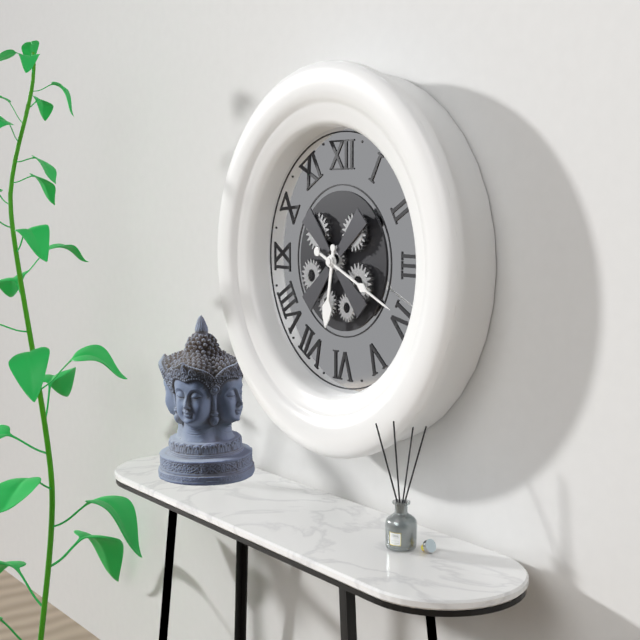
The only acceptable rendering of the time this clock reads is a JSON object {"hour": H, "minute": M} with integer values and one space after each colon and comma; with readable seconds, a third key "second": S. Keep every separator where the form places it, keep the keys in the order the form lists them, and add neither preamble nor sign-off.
{"hour": 6, "minute": 19}
